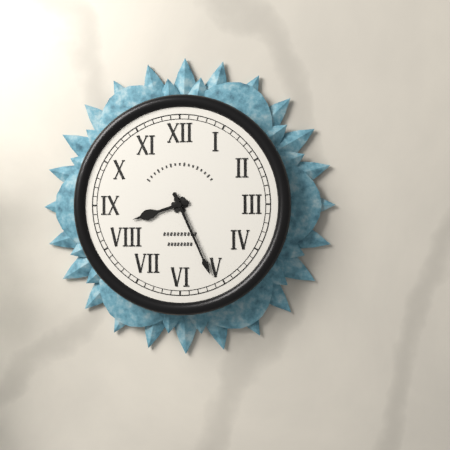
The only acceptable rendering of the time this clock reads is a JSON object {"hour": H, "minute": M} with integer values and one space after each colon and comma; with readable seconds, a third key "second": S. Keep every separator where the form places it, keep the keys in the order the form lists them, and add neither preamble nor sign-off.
{"hour": 8, "minute": 26}
